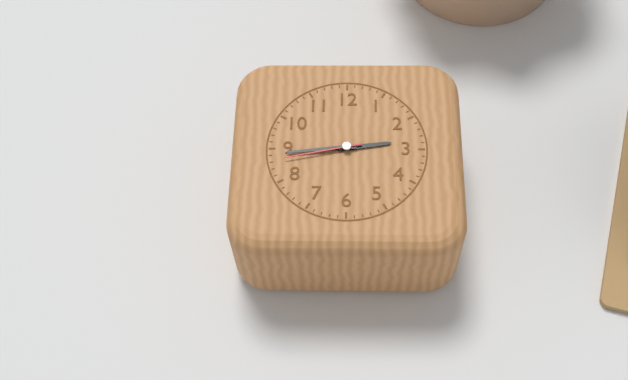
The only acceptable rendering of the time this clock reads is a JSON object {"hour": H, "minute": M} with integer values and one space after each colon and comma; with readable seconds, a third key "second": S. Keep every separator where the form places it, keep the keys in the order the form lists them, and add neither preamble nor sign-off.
{"hour": 2, "minute": 44, "second": 43}
